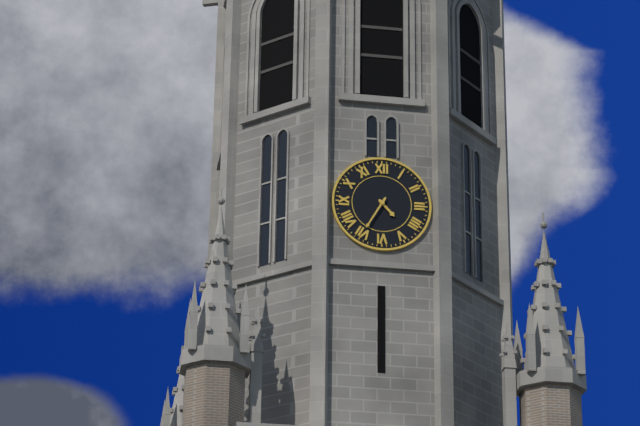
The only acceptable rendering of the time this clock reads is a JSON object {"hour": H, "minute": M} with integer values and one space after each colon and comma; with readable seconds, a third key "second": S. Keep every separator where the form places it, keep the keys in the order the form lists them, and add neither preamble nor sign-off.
{"hour": 4, "minute": 35}
